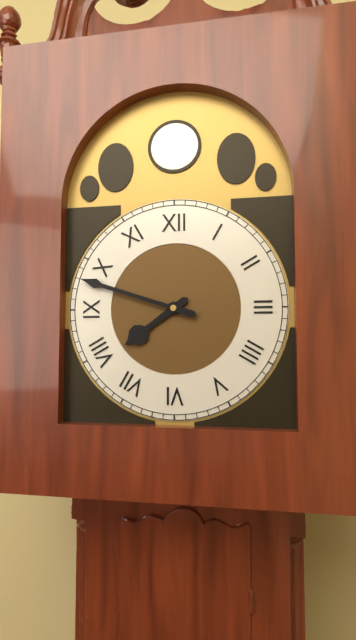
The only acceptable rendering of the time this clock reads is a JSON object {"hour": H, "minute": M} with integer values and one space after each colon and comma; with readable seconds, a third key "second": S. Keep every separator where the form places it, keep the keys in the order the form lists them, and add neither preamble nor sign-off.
{"hour": 7, "minute": 48}
